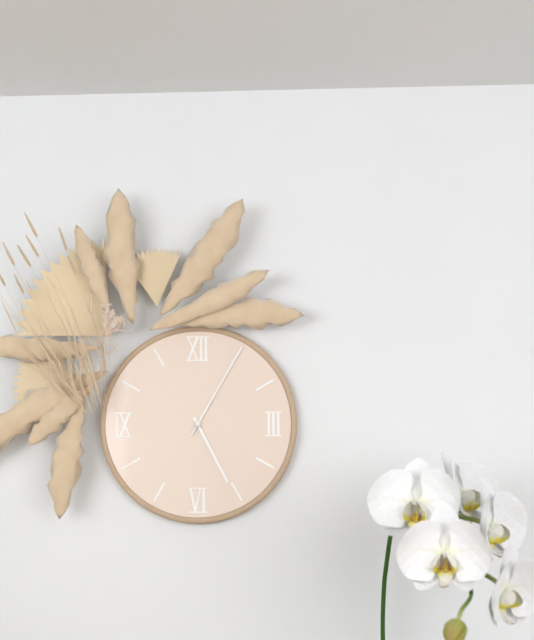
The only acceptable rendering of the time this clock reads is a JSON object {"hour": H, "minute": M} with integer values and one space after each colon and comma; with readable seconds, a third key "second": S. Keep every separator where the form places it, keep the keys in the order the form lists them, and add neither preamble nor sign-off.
{"hour": 5, "minute": 5}
